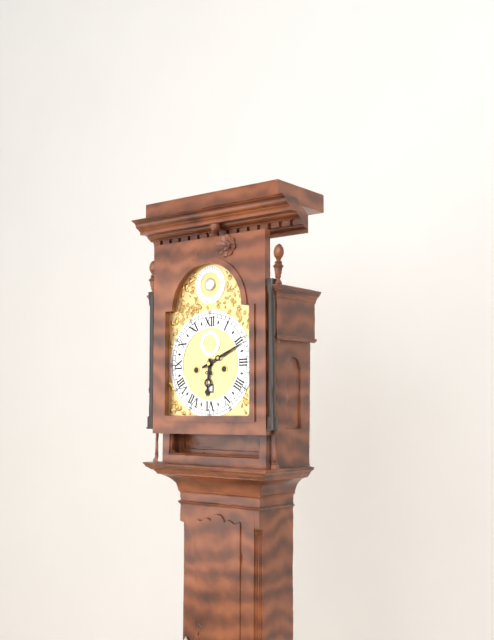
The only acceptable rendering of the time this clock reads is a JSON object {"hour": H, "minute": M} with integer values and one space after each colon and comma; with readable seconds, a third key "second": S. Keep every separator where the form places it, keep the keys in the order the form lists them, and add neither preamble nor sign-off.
{"hour": 6, "minute": 11}
